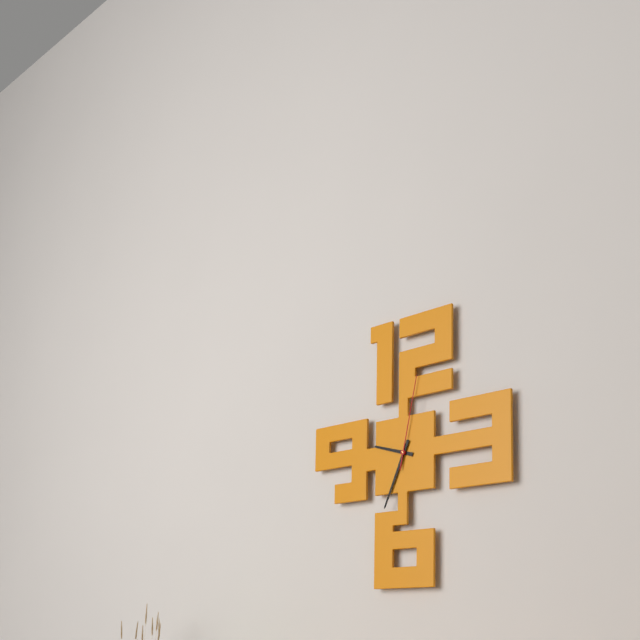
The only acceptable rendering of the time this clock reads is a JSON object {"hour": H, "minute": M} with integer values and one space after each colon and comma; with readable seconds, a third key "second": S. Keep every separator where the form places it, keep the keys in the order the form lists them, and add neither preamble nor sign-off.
{"hour": 9, "minute": 34, "second": 2}
